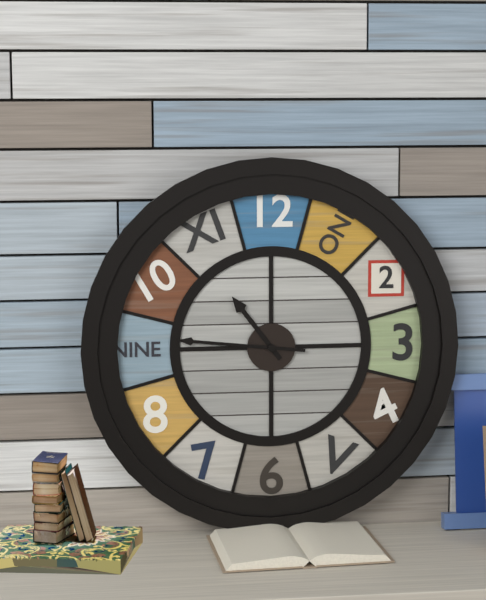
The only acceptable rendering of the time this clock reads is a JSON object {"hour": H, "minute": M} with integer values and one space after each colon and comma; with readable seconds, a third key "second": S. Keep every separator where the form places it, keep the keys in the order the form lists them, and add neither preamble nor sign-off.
{"hour": 10, "minute": 46}
